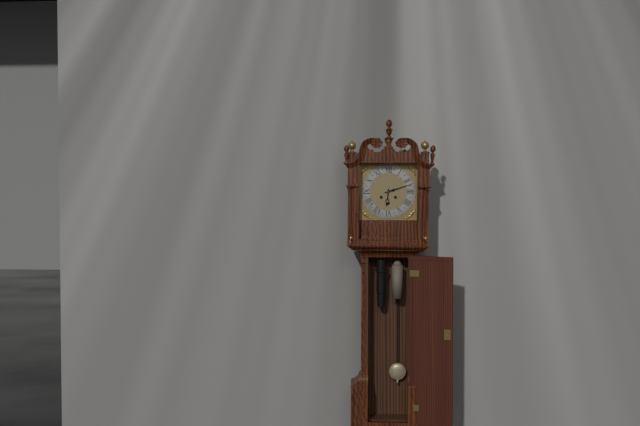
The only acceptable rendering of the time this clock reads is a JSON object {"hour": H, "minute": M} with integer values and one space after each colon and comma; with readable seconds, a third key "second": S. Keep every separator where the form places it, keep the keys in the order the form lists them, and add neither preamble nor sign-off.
{"hour": 6, "minute": 12}
